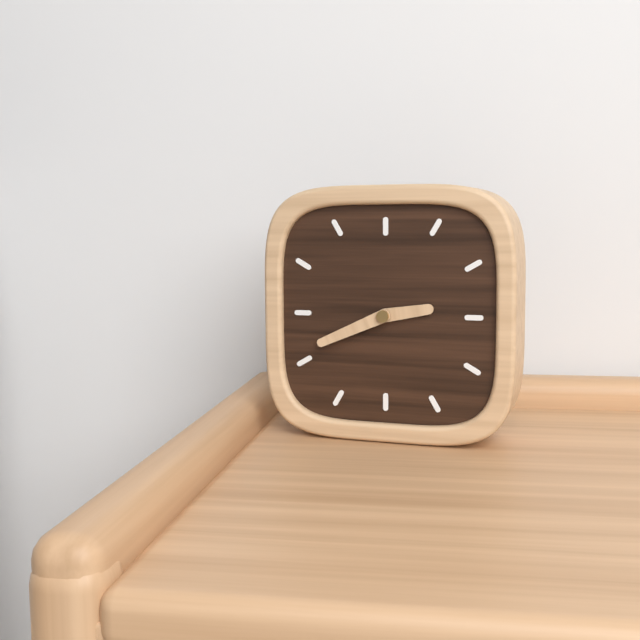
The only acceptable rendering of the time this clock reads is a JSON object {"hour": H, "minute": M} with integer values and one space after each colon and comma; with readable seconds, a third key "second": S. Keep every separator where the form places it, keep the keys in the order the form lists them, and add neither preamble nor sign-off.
{"hour": 2, "minute": 41}
